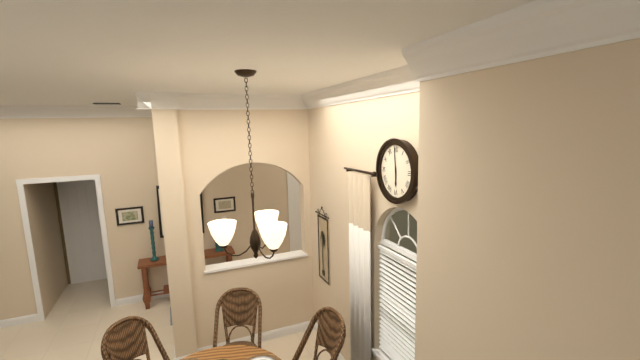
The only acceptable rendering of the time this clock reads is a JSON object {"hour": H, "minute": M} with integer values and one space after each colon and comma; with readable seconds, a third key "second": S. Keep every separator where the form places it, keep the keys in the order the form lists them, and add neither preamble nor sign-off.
{"hour": 5, "minute": 59}
